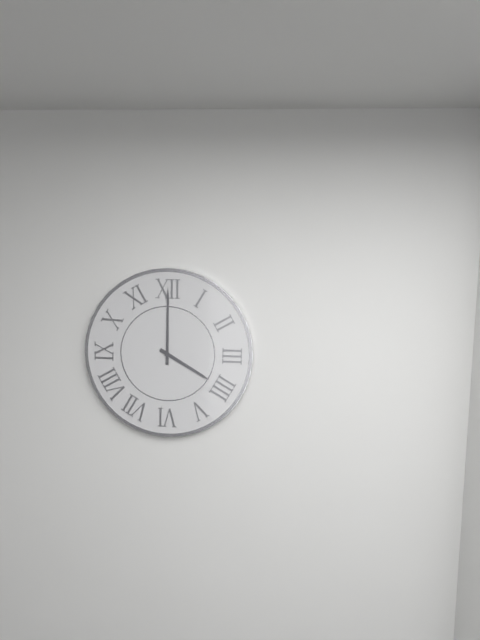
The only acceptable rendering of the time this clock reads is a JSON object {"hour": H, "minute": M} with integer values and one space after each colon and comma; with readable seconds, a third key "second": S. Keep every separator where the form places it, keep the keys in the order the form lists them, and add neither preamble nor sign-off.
{"hour": 4, "minute": 0}
